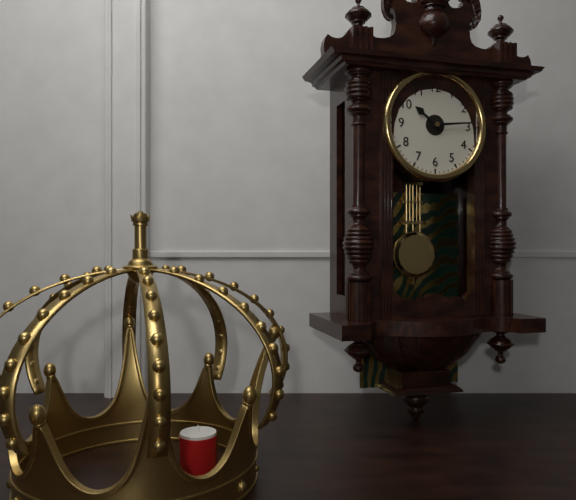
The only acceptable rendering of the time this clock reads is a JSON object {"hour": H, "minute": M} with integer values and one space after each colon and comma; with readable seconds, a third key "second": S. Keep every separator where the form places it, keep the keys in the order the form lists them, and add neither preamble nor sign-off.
{"hour": 10, "minute": 14}
